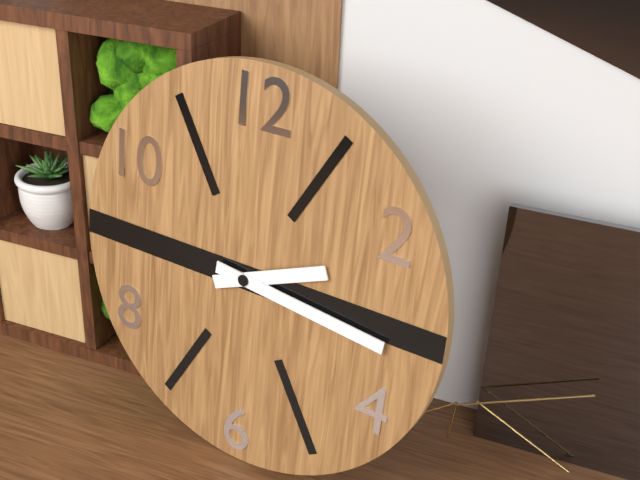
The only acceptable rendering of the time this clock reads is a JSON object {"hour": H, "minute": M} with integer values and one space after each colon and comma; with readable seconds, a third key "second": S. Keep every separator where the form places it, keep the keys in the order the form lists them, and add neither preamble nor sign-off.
{"hour": 2, "minute": 16}
